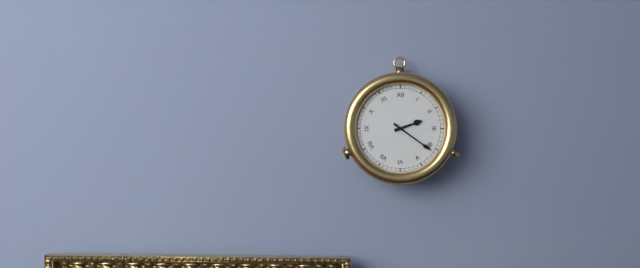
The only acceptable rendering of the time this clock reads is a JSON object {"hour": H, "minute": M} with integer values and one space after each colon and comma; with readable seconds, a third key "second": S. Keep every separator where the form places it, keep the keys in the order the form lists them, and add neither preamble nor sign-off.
{"hour": 2, "minute": 21}
